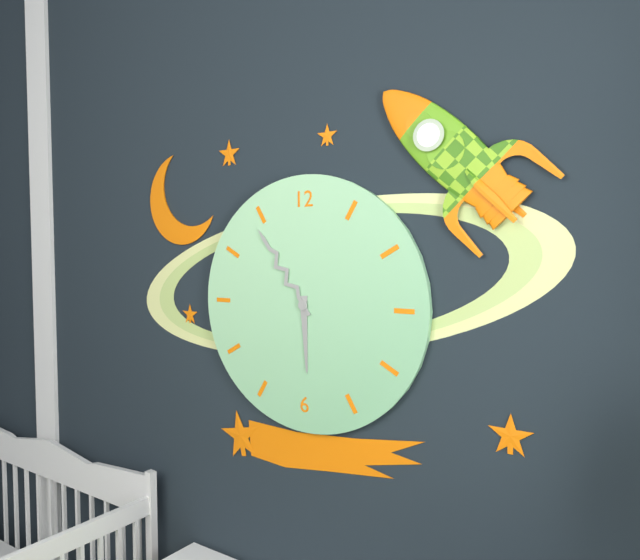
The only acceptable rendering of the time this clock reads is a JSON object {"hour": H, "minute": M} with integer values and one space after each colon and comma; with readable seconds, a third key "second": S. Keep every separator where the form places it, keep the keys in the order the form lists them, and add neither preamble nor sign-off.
{"hour": 5, "minute": 54}
